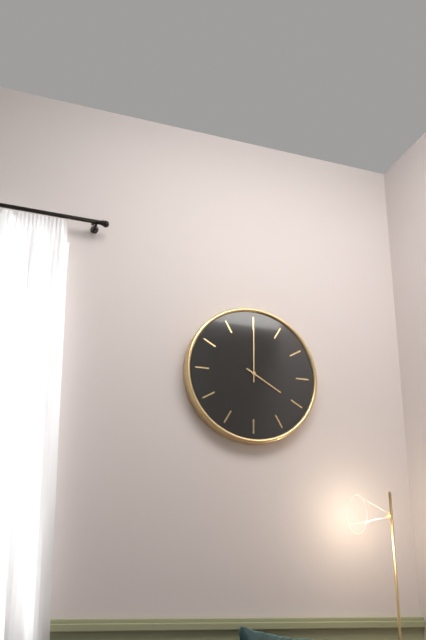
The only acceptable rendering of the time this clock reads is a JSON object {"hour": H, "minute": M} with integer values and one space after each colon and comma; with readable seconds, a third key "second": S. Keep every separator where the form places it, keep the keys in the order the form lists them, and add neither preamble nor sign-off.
{"hour": 4, "minute": 0}
